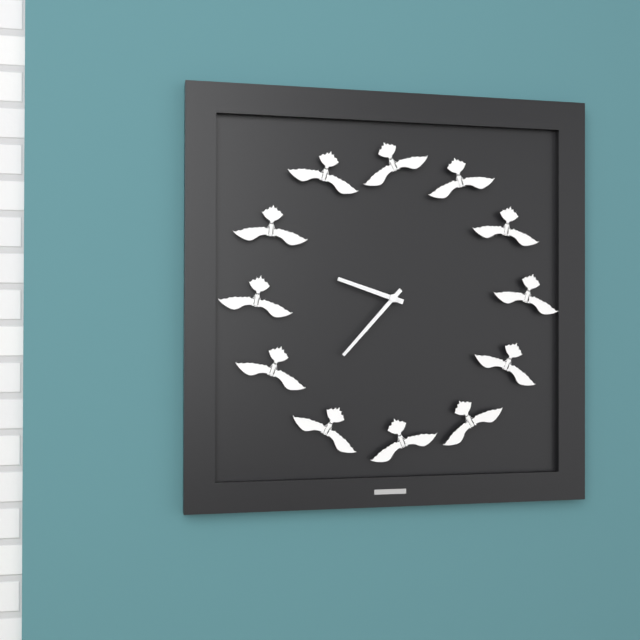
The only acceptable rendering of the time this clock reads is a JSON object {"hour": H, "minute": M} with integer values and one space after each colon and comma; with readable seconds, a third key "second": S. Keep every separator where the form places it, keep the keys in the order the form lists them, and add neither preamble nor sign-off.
{"hour": 9, "minute": 37}
